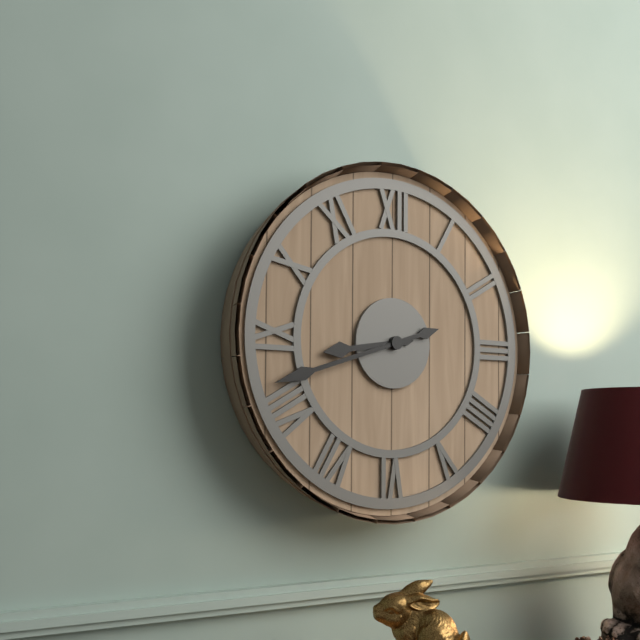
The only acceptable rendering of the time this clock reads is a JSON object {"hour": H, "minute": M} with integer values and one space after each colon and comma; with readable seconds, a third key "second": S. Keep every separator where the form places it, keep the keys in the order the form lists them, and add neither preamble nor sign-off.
{"hour": 8, "minute": 42}
